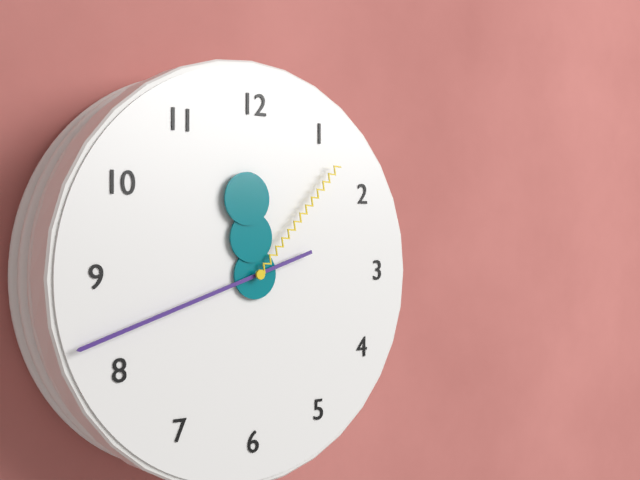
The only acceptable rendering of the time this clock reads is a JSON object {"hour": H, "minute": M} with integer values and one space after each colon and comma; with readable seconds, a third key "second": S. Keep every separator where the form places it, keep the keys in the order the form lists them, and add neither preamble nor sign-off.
{"hour": 11, "minute": 42, "second": 7}
